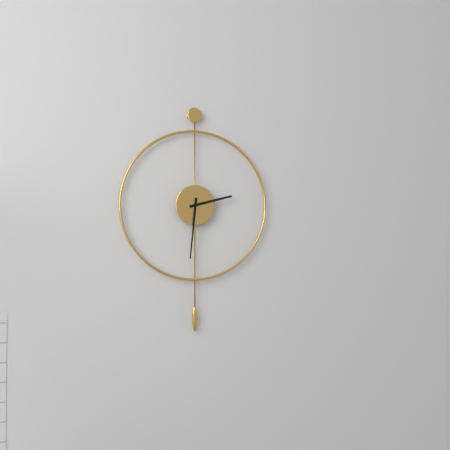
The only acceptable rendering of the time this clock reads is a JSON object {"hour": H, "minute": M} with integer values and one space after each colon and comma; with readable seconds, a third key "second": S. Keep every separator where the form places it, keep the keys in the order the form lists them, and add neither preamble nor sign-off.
{"hour": 2, "minute": 31}
